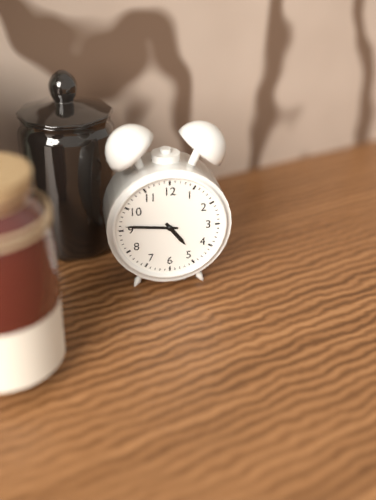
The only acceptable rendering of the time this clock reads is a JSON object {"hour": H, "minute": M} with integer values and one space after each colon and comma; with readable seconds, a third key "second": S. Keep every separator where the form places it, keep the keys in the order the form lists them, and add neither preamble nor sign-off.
{"hour": 4, "minute": 46}
